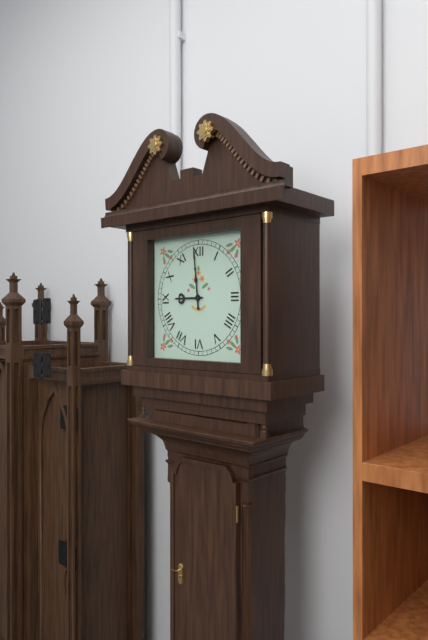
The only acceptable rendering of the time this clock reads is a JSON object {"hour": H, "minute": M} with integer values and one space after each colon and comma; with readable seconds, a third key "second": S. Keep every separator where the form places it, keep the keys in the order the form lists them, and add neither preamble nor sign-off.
{"hour": 8, "minute": 59}
